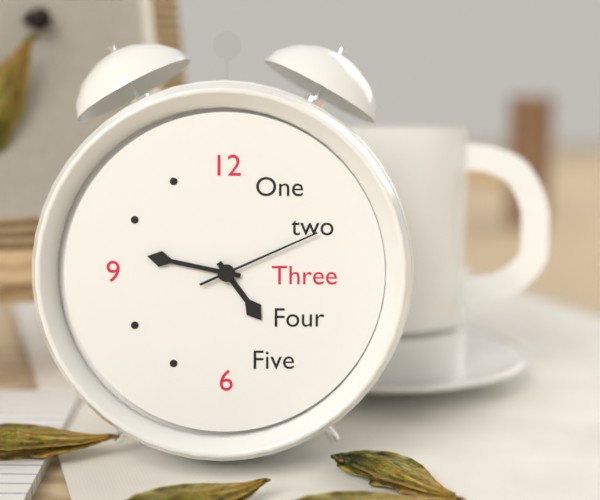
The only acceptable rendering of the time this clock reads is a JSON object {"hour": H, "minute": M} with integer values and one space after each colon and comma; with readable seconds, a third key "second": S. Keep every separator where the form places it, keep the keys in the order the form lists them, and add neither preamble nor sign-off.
{"hour": 4, "minute": 47, "second": 11}
